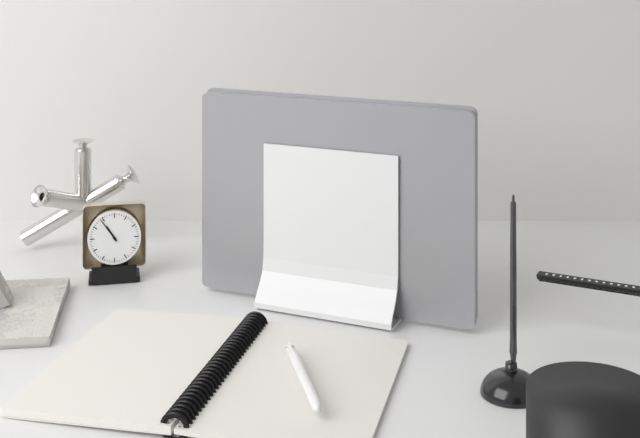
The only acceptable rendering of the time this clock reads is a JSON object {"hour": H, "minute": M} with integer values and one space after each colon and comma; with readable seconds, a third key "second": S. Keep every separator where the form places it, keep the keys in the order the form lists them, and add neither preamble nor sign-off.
{"hour": 10, "minute": 54}
